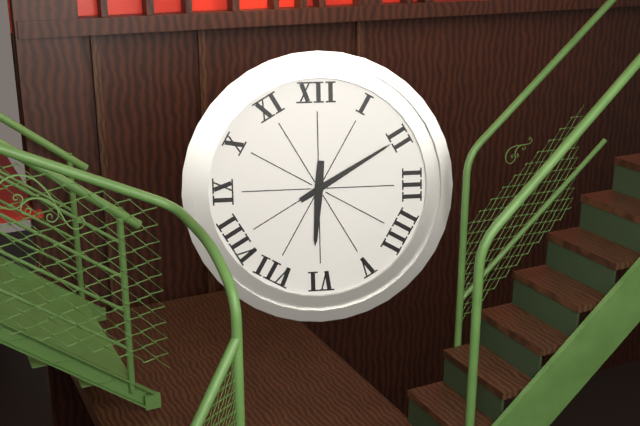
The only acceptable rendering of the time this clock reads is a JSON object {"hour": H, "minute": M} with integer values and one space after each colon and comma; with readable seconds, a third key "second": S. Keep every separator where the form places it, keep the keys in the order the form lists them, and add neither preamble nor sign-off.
{"hour": 6, "minute": 10}
